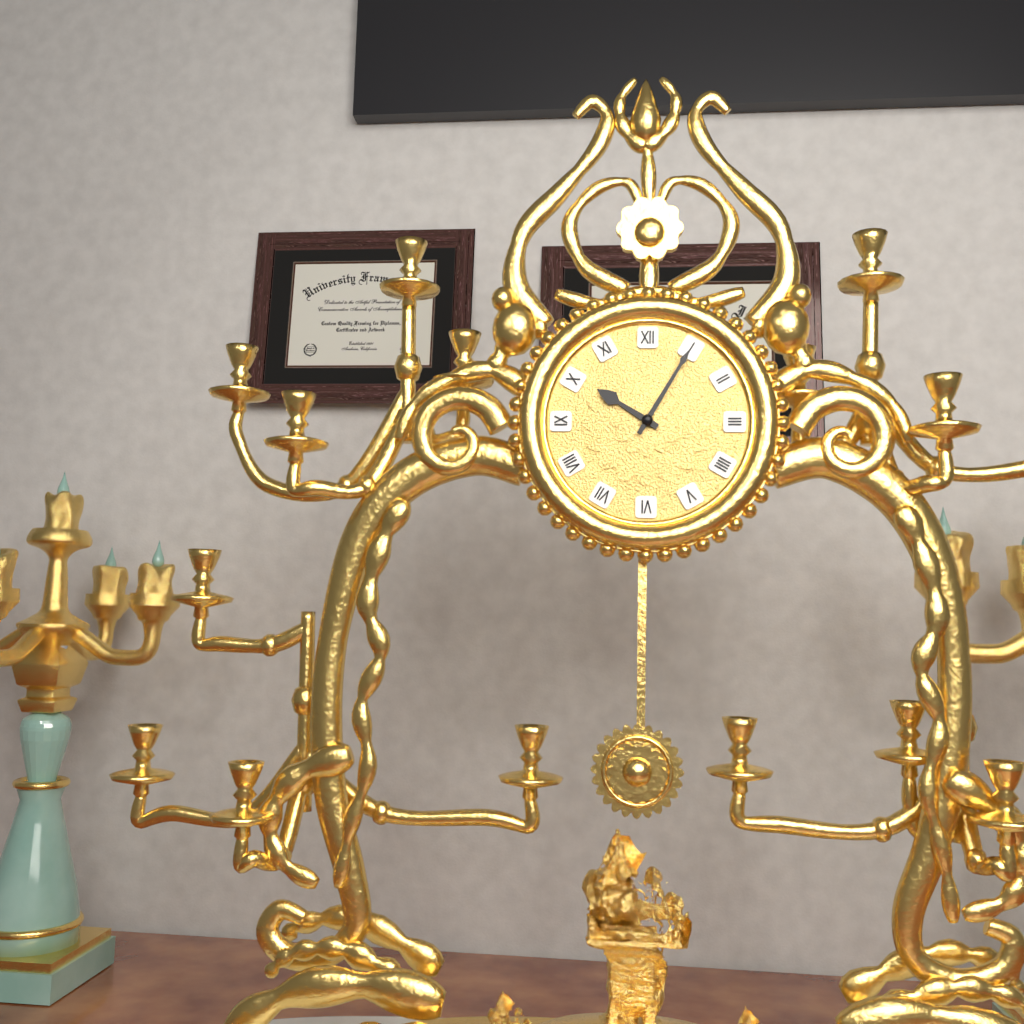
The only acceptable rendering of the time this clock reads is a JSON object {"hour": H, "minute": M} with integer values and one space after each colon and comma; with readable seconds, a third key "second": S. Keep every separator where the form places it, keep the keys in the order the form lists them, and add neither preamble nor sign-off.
{"hour": 10, "minute": 5}
